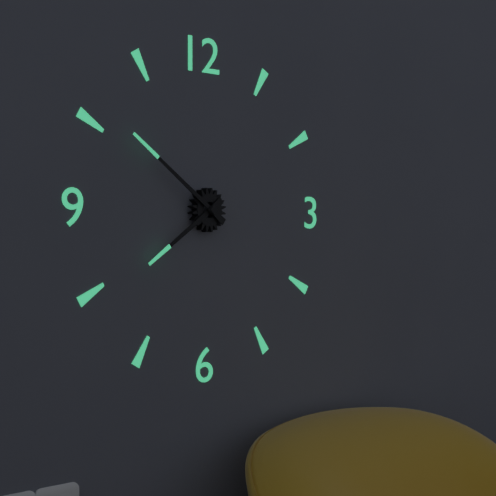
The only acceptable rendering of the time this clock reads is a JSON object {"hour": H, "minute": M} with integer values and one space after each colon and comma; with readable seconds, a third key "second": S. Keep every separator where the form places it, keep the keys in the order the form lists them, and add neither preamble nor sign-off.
{"hour": 7, "minute": 51}
